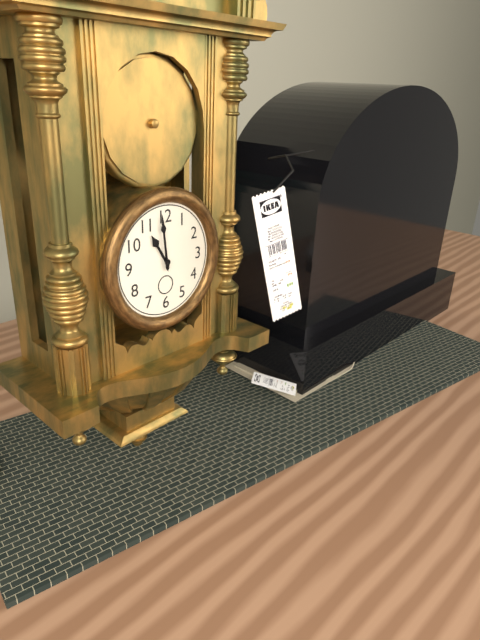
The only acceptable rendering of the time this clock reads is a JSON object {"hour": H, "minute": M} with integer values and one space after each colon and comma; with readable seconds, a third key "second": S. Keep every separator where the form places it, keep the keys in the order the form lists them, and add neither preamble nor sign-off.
{"hour": 10, "minute": 59}
